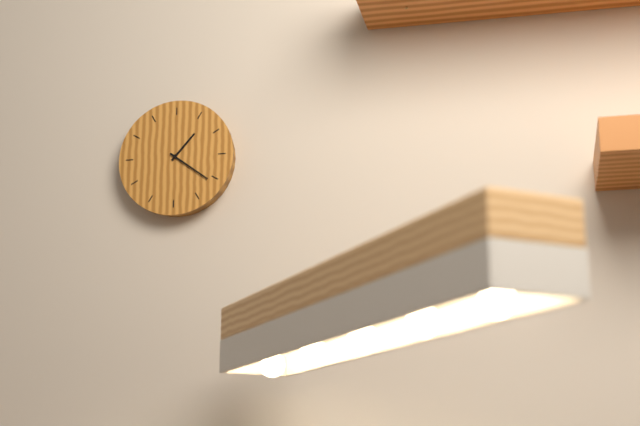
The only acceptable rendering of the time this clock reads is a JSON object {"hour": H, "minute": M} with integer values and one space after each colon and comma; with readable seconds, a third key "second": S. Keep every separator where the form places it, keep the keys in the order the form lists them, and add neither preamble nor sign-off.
{"hour": 1, "minute": 21}
